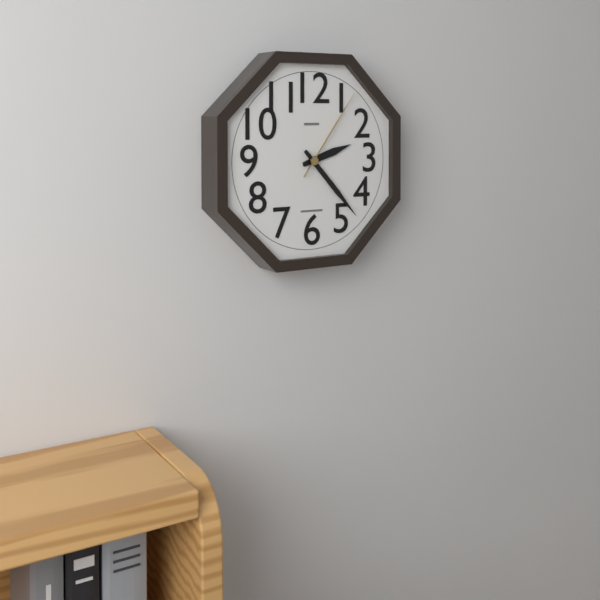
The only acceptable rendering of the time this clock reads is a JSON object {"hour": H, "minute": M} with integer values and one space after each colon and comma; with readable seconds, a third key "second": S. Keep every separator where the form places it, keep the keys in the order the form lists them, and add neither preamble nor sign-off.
{"hour": 2, "minute": 23, "second": 6}
